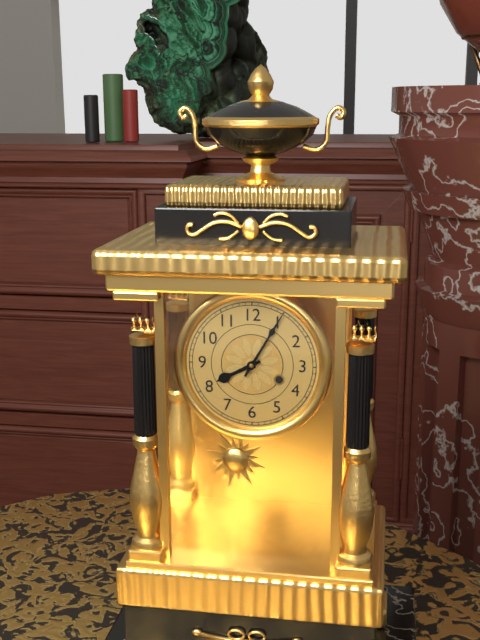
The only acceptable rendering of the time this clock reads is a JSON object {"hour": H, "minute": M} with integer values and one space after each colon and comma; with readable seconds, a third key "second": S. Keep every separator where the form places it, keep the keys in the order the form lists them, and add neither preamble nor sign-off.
{"hour": 8, "minute": 5}
